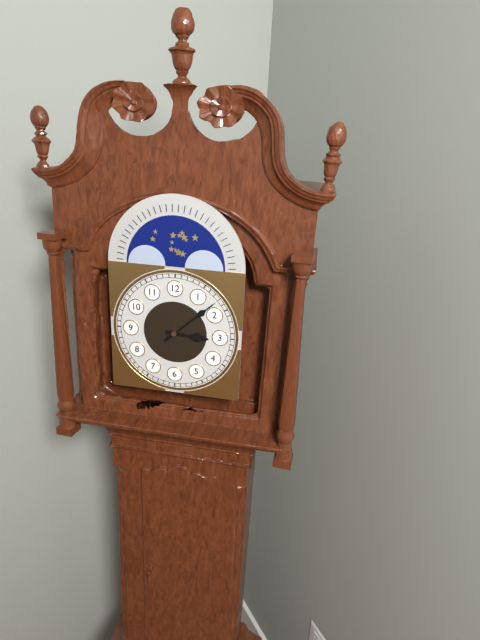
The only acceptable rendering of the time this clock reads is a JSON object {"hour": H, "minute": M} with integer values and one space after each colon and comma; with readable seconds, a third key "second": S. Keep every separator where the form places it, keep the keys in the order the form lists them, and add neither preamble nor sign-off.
{"hour": 3, "minute": 8}
